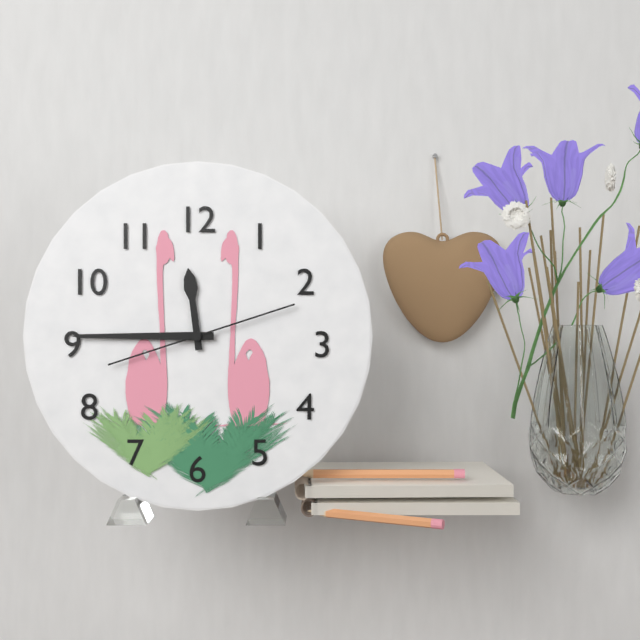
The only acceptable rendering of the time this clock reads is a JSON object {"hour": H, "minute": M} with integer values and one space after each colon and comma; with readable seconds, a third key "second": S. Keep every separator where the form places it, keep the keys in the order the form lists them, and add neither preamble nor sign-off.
{"hour": 11, "minute": 45, "second": 12}
